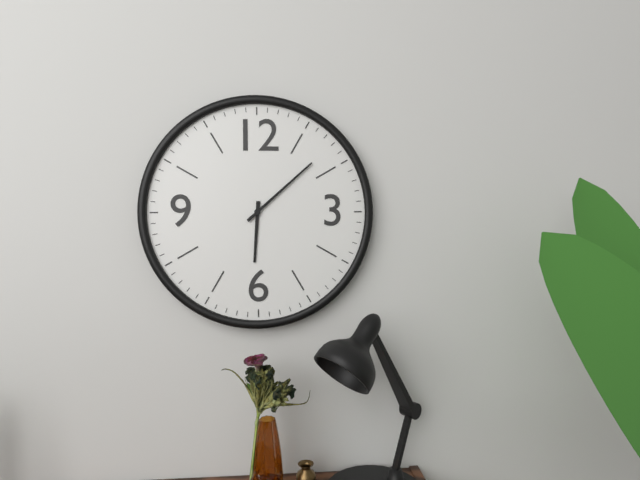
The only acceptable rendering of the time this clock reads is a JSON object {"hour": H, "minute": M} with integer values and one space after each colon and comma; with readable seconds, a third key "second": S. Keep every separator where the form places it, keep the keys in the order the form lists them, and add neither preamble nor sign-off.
{"hour": 6, "minute": 8}
